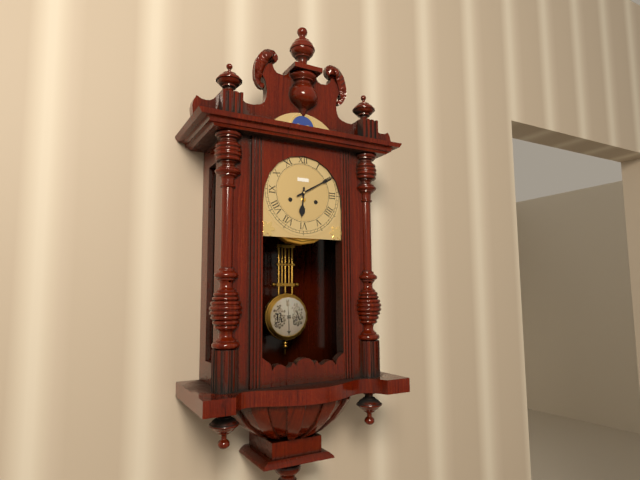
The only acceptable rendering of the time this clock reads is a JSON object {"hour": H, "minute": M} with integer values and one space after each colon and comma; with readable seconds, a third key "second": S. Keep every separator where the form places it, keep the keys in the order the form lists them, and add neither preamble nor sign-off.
{"hour": 6, "minute": 10}
